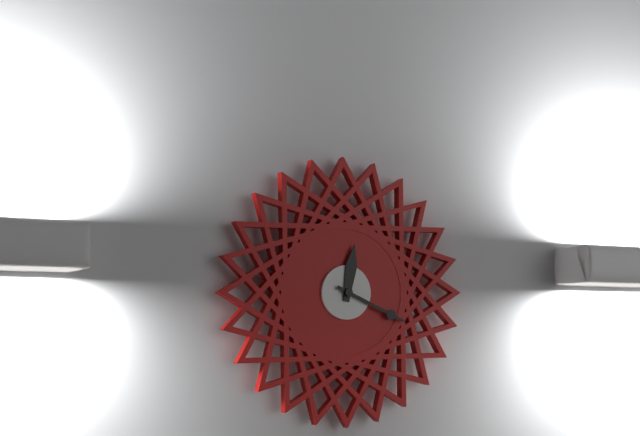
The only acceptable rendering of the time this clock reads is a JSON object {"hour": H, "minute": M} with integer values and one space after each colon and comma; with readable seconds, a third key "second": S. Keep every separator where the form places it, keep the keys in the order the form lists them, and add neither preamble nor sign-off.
{"hour": 12, "minute": 19}
